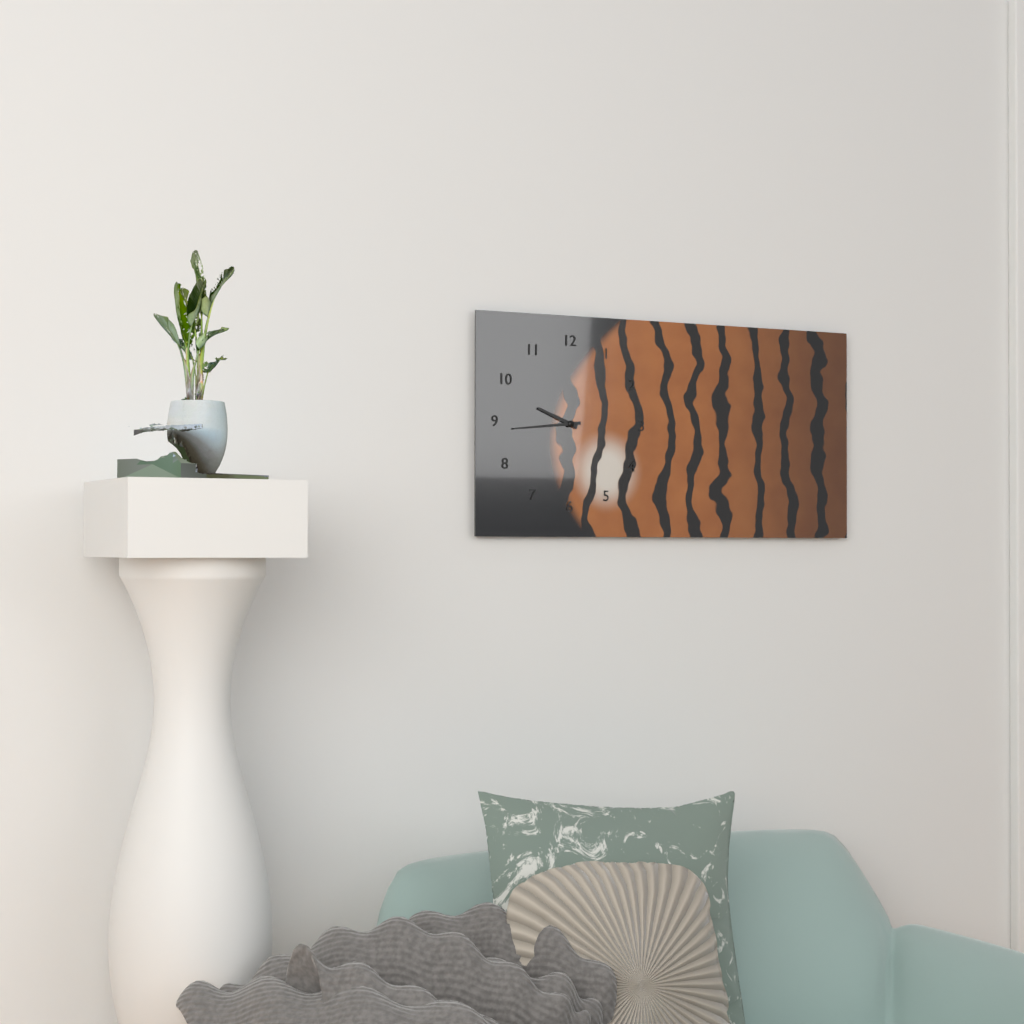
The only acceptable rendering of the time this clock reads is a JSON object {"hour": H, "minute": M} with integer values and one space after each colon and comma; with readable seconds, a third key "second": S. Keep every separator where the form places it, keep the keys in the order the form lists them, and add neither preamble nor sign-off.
{"hour": 9, "minute": 44}
